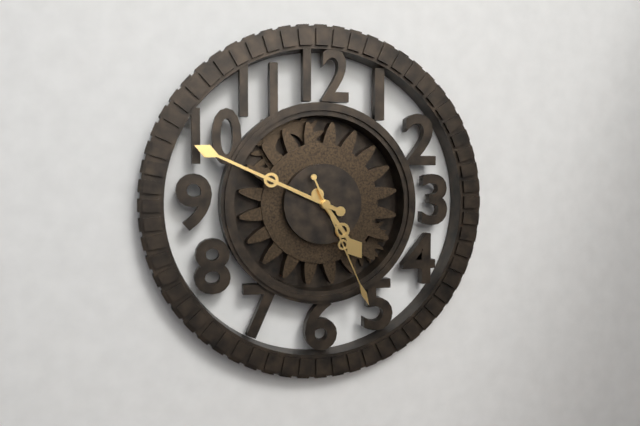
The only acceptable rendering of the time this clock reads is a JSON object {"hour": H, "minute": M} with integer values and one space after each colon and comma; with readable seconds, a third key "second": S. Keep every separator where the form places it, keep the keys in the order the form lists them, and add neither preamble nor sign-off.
{"hour": 4, "minute": 49, "second": 26}
